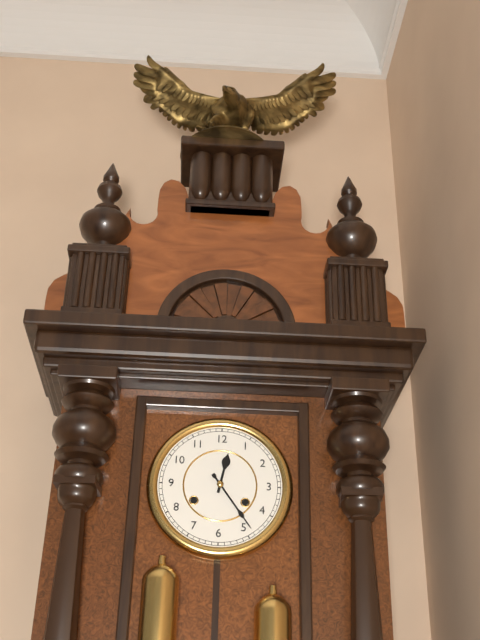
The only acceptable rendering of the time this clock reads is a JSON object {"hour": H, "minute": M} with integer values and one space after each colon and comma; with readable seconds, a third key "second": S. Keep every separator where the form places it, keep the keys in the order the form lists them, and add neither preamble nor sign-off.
{"hour": 12, "minute": 24}
